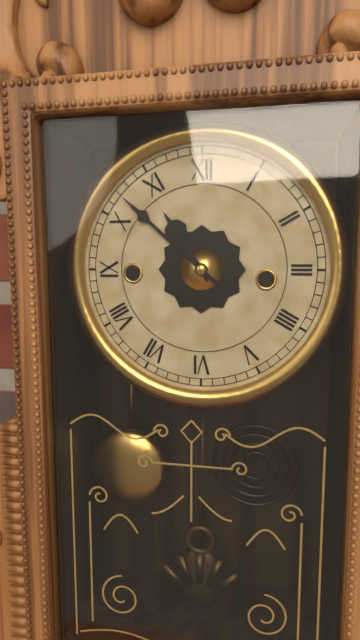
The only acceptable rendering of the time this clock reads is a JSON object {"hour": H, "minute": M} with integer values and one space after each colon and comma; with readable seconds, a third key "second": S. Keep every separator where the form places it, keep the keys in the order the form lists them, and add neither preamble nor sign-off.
{"hour": 10, "minute": 52}
